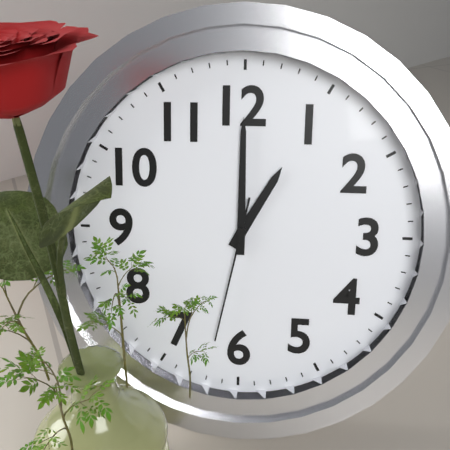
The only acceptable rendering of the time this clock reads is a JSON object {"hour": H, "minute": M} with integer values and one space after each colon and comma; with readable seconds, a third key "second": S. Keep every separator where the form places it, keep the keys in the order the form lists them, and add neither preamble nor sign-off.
{"hour": 1, "minute": 0, "second": 32}
